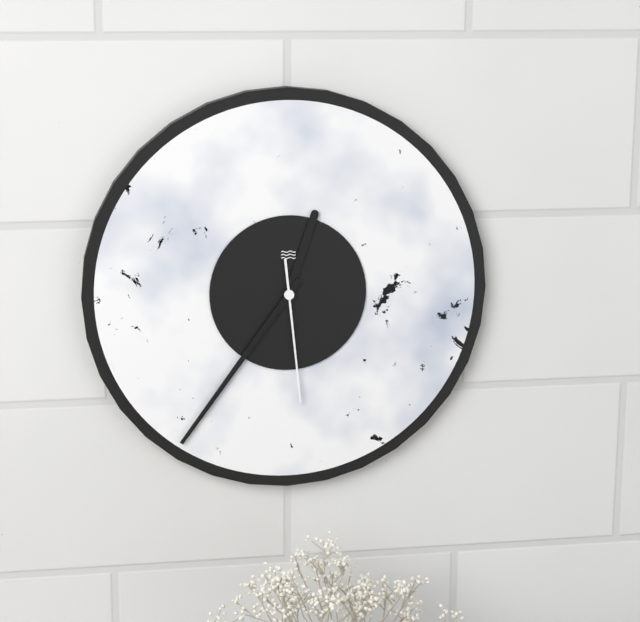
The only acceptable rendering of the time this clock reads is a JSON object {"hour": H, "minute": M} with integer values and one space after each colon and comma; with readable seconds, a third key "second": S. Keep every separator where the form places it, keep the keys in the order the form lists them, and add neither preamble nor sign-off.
{"hour": 12, "minute": 36, "second": 29}
